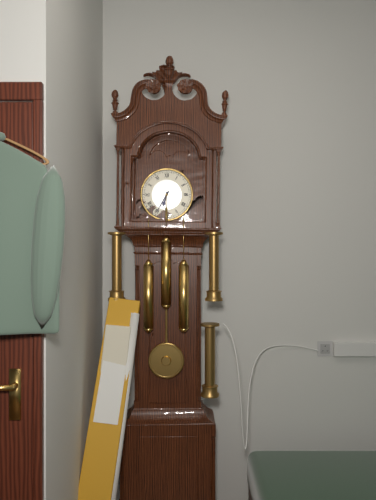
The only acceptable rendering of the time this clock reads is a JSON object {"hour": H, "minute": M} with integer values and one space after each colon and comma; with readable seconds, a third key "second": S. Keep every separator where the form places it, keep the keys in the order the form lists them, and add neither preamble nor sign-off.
{"hour": 6, "minute": 35}
